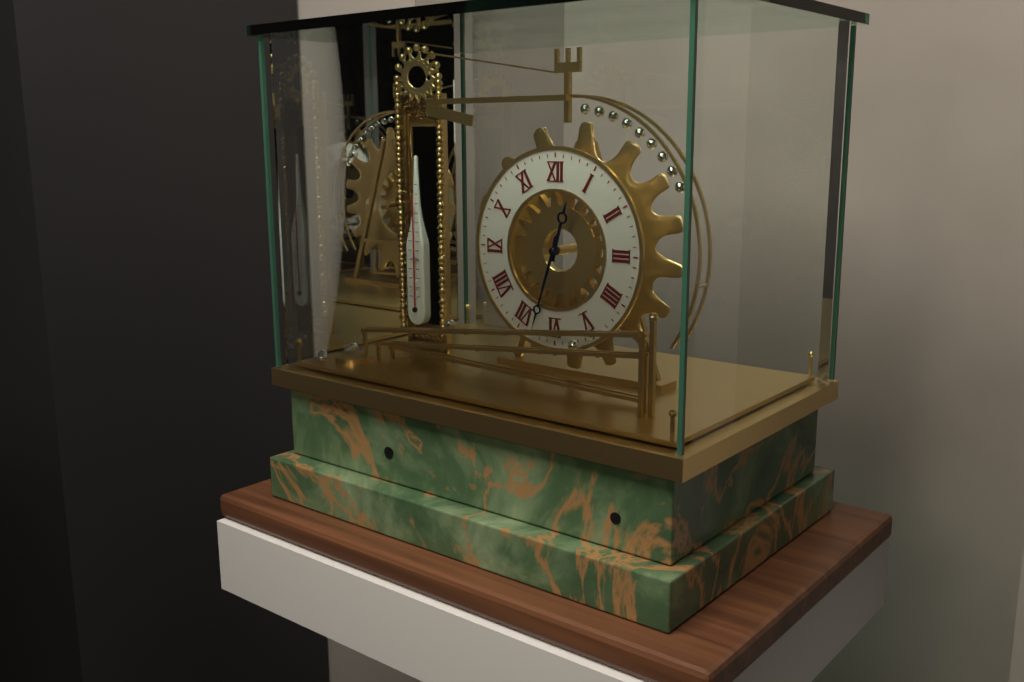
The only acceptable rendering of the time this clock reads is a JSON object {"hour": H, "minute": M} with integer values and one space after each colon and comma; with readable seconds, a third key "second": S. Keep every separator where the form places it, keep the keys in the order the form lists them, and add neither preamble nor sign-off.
{"hour": 12, "minute": 33}
